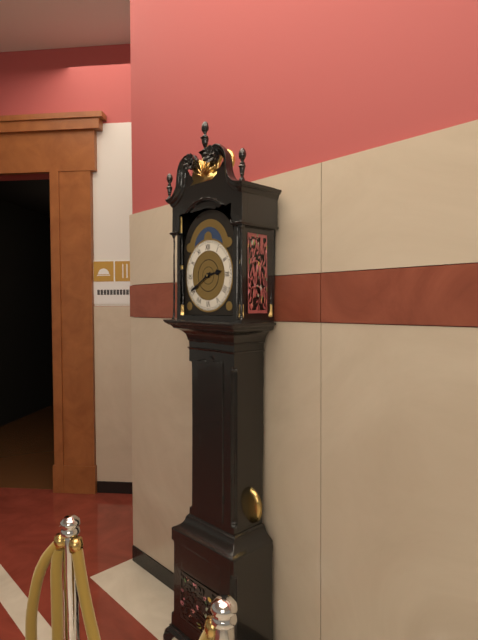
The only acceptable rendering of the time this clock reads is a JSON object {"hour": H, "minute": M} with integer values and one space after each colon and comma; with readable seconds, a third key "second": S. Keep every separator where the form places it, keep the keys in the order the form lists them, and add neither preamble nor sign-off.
{"hour": 2, "minute": 40}
